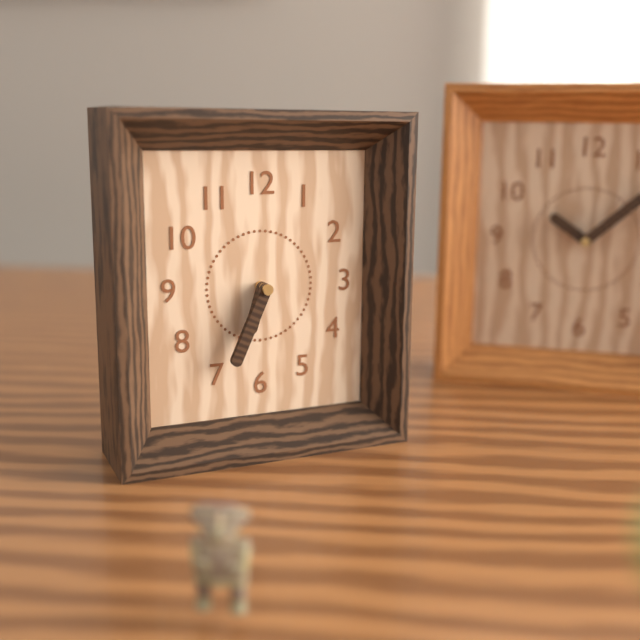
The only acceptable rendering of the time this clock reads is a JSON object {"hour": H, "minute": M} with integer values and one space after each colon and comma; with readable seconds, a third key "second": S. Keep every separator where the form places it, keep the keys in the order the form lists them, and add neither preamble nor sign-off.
{"hour": 6, "minute": 34}
